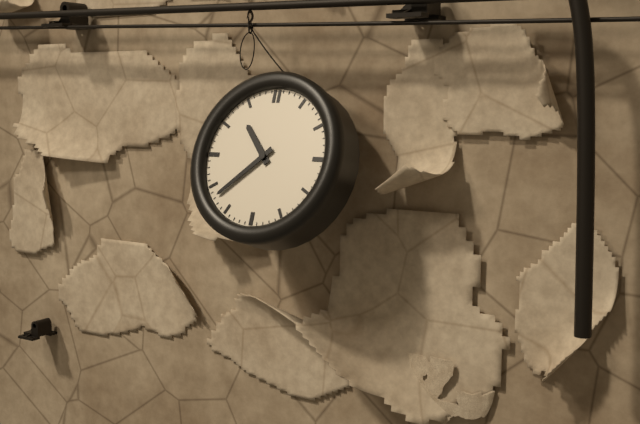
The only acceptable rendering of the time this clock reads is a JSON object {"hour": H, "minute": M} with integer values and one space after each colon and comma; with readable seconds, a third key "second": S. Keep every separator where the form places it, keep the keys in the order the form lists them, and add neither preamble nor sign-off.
{"hour": 10, "minute": 38}
